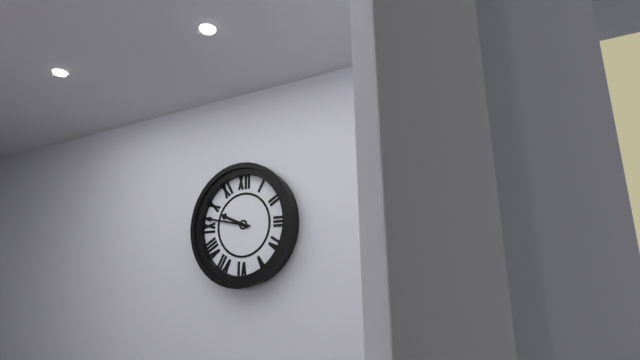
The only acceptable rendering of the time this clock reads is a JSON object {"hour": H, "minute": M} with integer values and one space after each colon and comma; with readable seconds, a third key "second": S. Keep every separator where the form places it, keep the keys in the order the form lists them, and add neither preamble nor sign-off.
{"hour": 9, "minute": 47}
